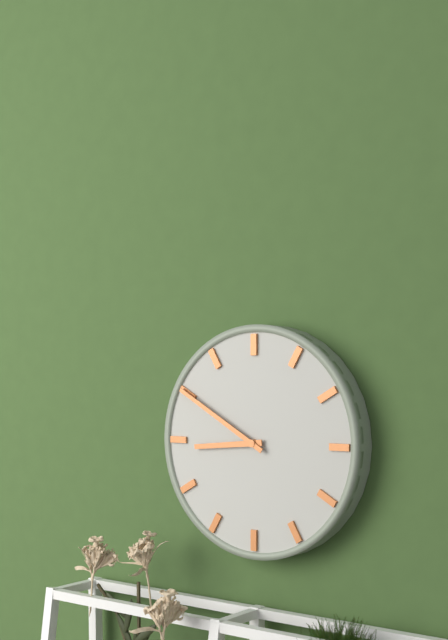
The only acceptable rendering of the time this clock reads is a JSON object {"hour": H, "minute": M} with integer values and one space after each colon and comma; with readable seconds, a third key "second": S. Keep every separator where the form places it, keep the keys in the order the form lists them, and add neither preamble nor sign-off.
{"hour": 8, "minute": 50}
